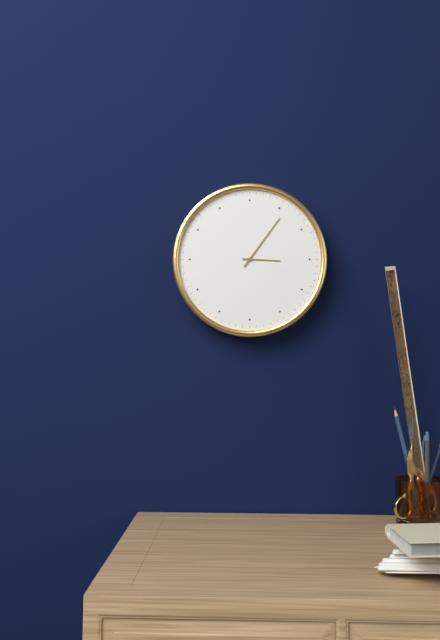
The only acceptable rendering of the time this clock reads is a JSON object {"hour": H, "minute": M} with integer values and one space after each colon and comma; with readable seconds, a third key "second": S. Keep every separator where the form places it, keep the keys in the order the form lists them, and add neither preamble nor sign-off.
{"hour": 3, "minute": 6}
